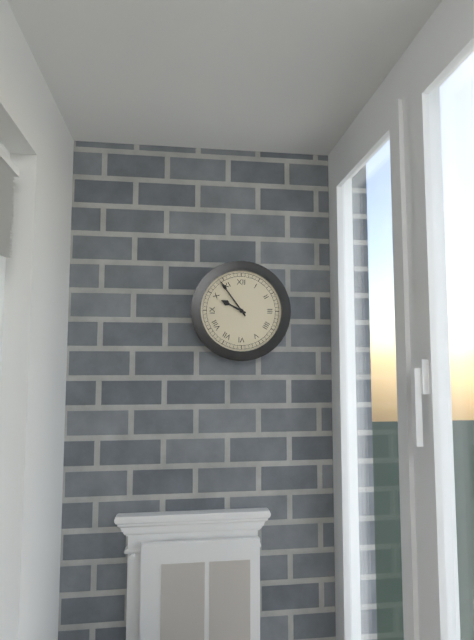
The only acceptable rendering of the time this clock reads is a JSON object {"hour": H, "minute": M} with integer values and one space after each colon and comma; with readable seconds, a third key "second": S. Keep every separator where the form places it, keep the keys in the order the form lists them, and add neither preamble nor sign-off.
{"hour": 9, "minute": 54}
